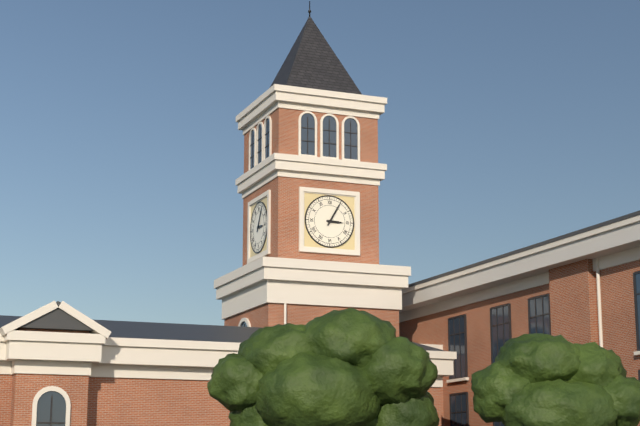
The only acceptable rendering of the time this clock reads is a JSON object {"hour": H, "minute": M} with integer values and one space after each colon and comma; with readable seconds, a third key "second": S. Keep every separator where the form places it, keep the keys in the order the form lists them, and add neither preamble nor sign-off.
{"hour": 3, "minute": 5}
